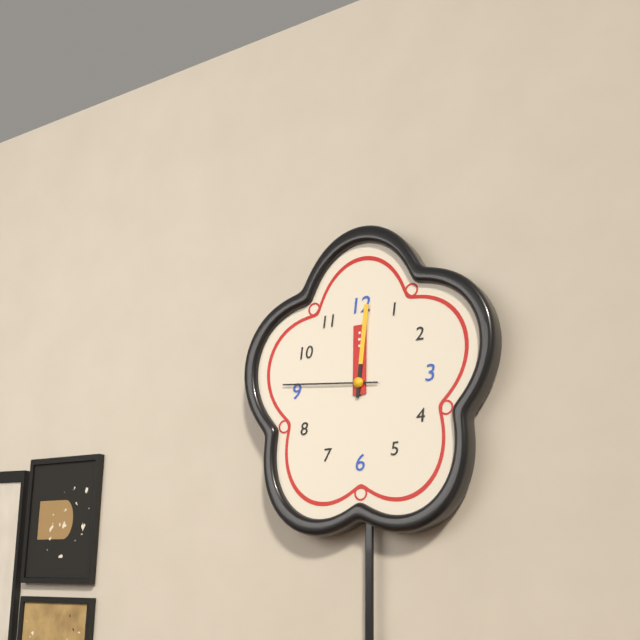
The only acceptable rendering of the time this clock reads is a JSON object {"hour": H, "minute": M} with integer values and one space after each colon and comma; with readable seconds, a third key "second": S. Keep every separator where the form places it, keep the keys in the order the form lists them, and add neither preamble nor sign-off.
{"hour": 12, "minute": 1, "second": 46}
